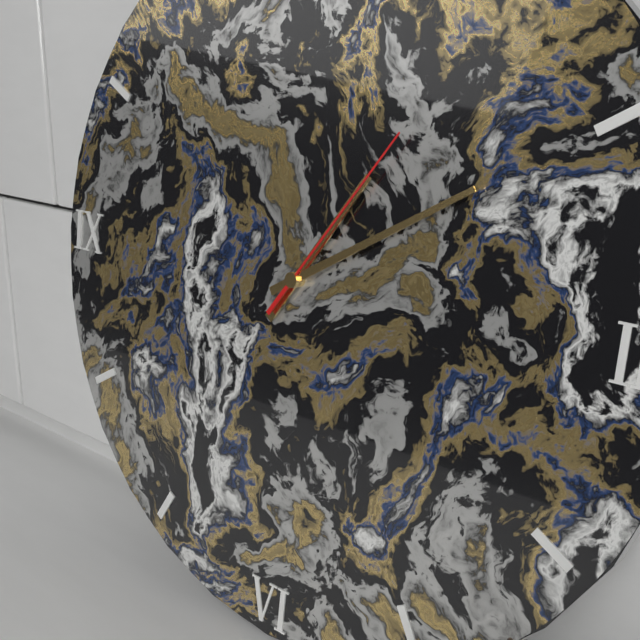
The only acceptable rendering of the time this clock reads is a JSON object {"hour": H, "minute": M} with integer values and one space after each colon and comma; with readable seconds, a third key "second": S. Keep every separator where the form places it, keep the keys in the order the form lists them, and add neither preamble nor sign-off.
{"hour": 1, "minute": 10, "second": 6}
